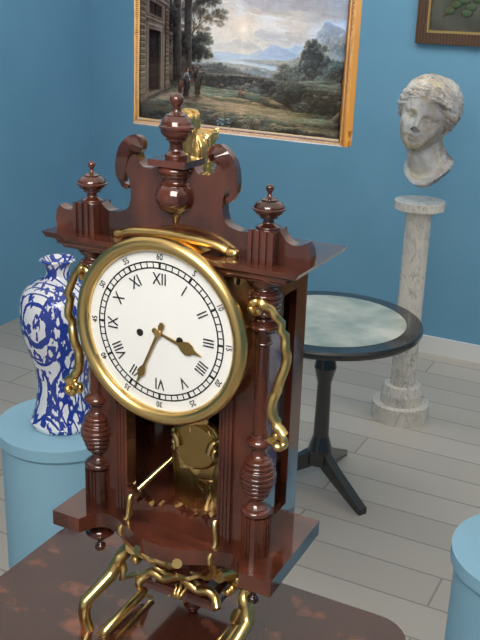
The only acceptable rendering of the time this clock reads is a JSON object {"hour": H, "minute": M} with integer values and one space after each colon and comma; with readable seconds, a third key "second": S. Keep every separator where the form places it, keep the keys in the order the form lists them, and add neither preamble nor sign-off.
{"hour": 3, "minute": 34}
